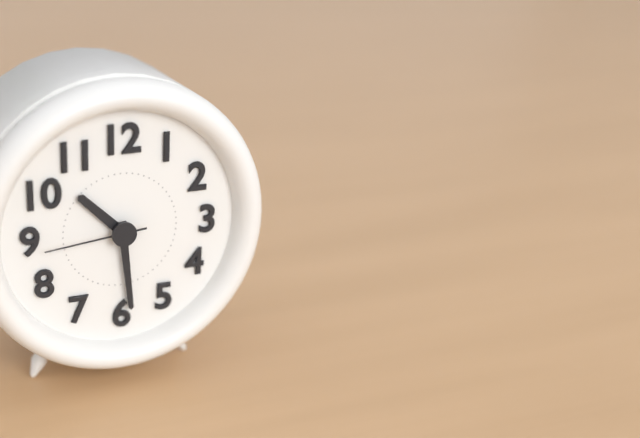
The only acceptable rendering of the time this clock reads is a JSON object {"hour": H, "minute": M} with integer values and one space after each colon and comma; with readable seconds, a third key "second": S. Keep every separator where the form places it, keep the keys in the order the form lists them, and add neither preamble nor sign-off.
{"hour": 10, "minute": 29, "second": 44}
